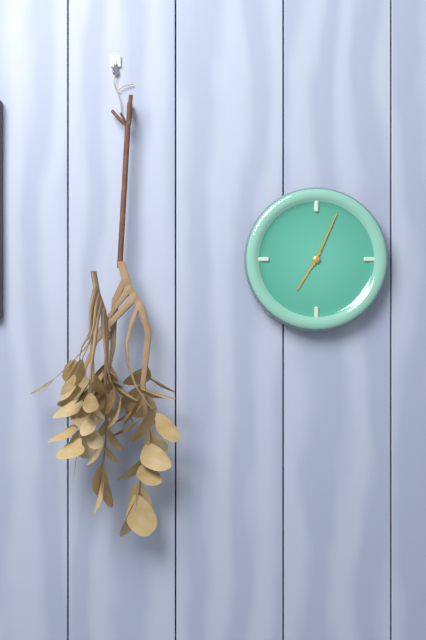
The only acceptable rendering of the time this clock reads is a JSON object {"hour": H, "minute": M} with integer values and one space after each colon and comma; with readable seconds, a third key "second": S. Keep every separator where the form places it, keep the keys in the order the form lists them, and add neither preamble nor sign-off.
{"hour": 7, "minute": 4}
